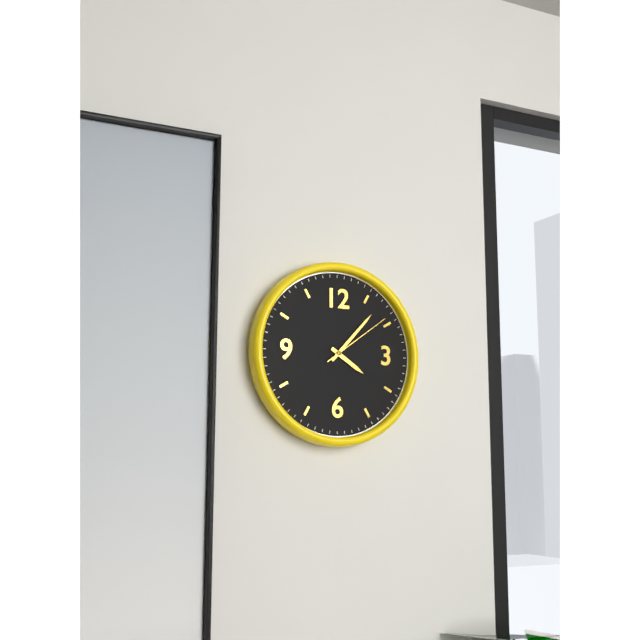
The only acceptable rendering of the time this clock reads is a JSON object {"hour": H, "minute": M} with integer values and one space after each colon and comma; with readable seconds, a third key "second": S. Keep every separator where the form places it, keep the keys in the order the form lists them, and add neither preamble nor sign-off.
{"hour": 4, "minute": 7, "second": 9}
